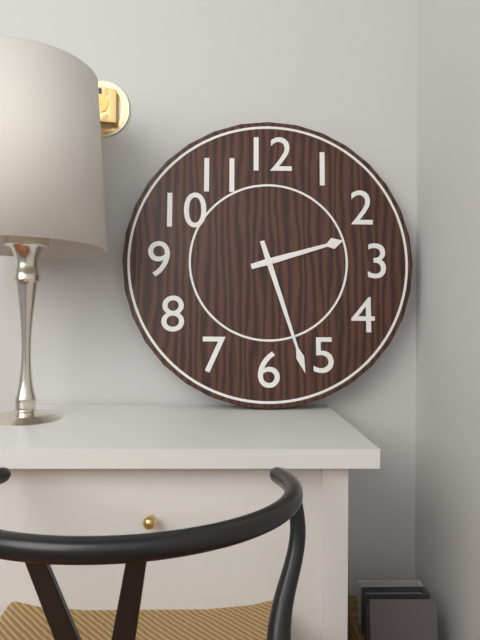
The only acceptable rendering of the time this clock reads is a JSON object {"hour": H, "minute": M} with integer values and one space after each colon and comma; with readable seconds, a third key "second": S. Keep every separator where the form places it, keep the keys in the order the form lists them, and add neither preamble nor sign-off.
{"hour": 2, "minute": 27}
